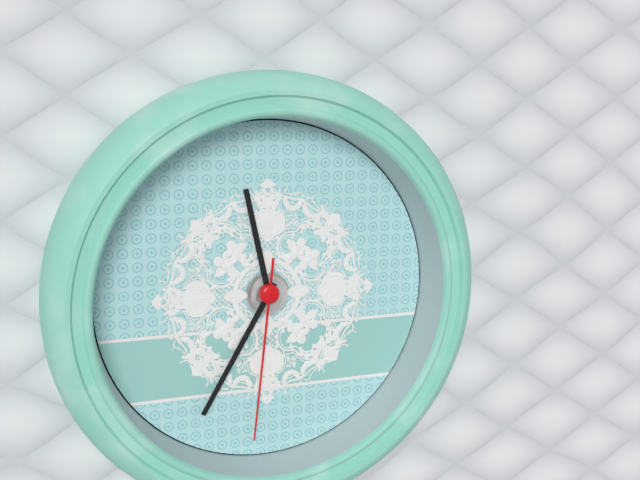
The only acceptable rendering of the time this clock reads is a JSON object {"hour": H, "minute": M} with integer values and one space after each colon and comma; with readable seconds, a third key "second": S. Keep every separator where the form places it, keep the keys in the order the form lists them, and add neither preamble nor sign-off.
{"hour": 11, "minute": 35, "second": 31}
